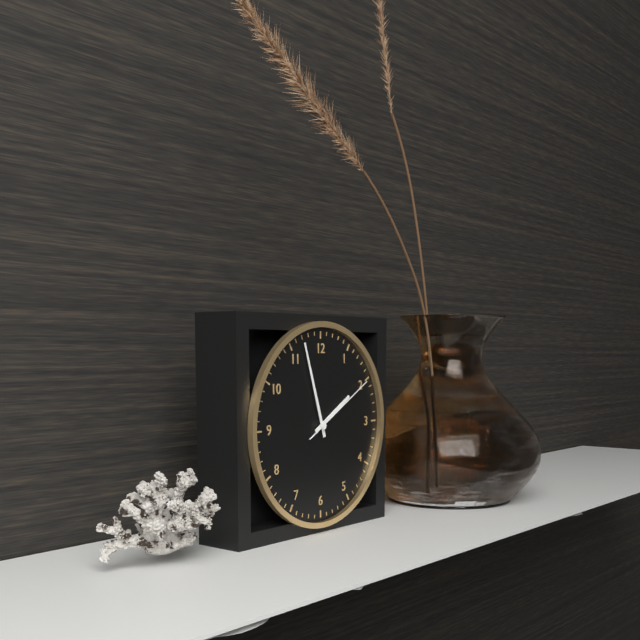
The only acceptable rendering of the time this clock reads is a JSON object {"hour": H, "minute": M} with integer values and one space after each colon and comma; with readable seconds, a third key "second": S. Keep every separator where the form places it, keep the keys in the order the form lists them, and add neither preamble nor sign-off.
{"hour": 1, "minute": 57, "second": 10}
